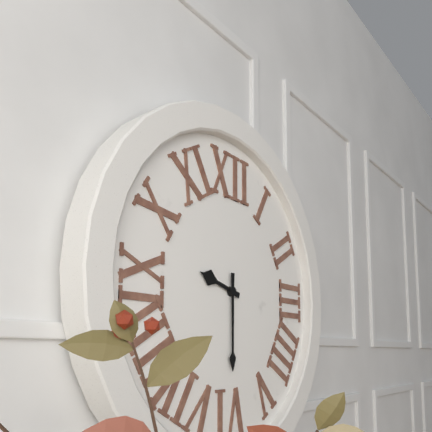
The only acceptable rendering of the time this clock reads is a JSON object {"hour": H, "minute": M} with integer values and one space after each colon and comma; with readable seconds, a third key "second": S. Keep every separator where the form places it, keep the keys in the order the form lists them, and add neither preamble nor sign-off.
{"hour": 9, "minute": 30}
